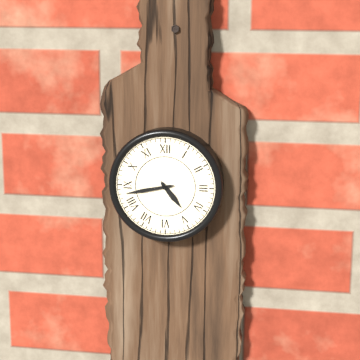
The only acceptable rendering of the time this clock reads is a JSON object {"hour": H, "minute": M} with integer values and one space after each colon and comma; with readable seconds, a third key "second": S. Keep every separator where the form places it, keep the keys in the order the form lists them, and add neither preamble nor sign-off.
{"hour": 4, "minute": 43}
